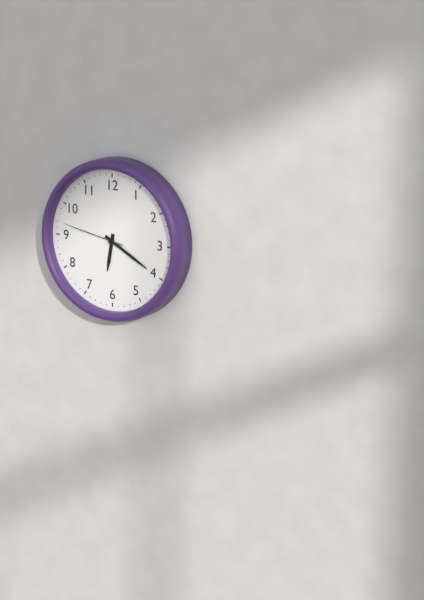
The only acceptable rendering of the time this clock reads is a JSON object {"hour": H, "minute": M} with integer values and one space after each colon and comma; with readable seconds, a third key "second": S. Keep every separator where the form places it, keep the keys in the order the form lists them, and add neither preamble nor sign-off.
{"hour": 6, "minute": 20, "second": 47}
